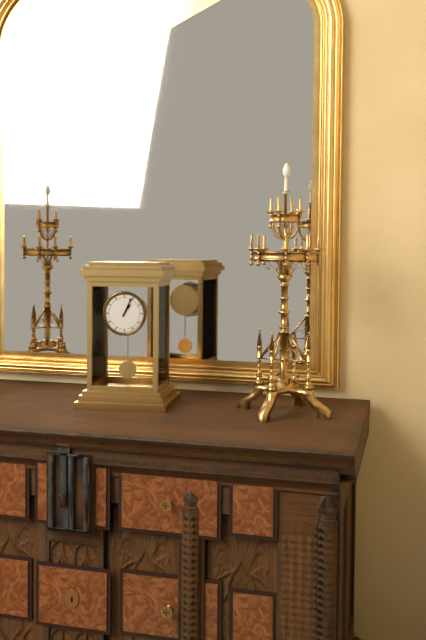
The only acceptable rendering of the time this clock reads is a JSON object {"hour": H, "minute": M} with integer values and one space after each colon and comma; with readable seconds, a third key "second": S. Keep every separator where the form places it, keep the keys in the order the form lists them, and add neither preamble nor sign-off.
{"hour": 1, "minute": 4}
